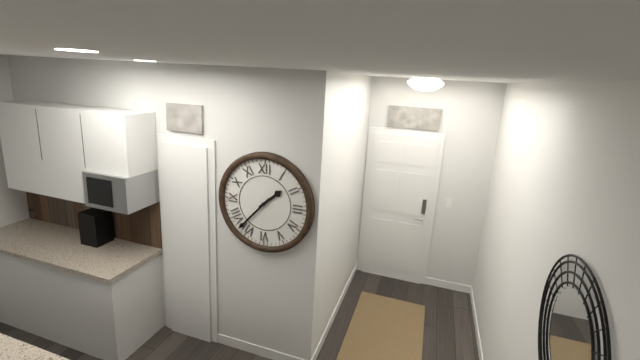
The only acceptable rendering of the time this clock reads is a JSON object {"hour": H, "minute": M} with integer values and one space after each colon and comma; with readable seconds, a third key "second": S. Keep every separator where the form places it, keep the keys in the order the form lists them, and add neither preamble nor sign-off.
{"hour": 1, "minute": 37}
